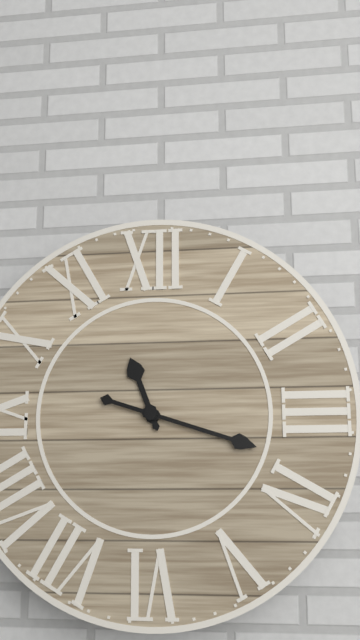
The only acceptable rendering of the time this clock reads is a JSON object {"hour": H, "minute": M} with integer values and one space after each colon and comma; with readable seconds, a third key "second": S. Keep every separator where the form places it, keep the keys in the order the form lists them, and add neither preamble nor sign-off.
{"hour": 11, "minute": 18}
